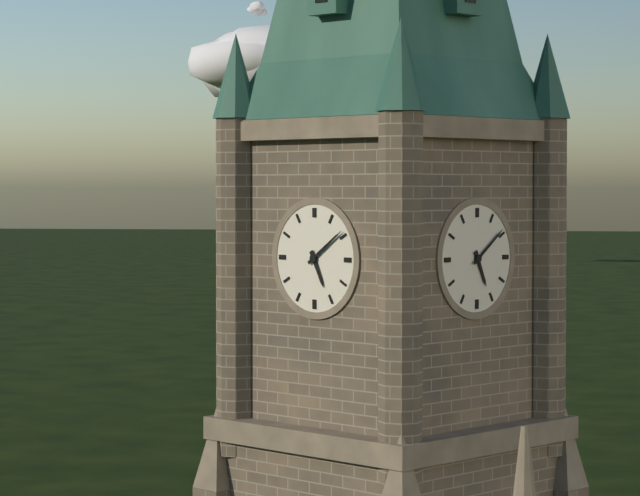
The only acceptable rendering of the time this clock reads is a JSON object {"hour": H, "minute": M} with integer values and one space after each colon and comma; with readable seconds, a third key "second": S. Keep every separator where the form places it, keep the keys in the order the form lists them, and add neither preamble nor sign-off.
{"hour": 5, "minute": 9}
